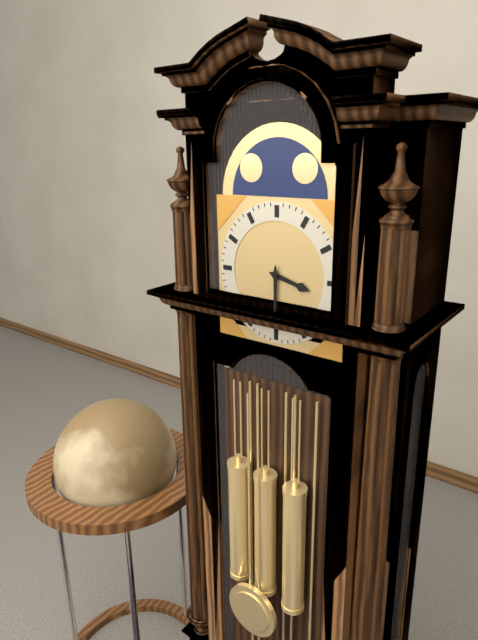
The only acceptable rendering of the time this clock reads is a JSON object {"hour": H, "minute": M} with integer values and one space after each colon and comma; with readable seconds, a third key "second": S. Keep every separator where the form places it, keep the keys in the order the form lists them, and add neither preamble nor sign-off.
{"hour": 3, "minute": 30}
